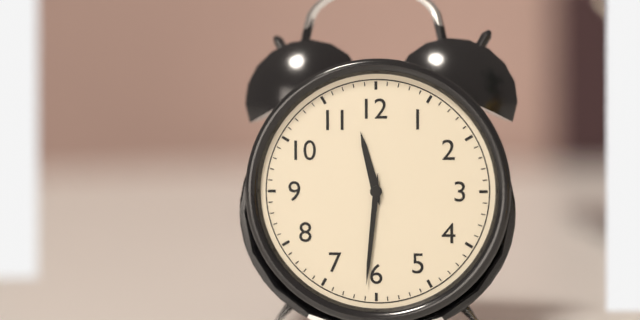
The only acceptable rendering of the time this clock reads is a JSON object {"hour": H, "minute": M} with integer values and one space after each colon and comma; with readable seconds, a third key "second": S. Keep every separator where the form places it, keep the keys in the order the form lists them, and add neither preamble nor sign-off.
{"hour": 11, "minute": 31}
